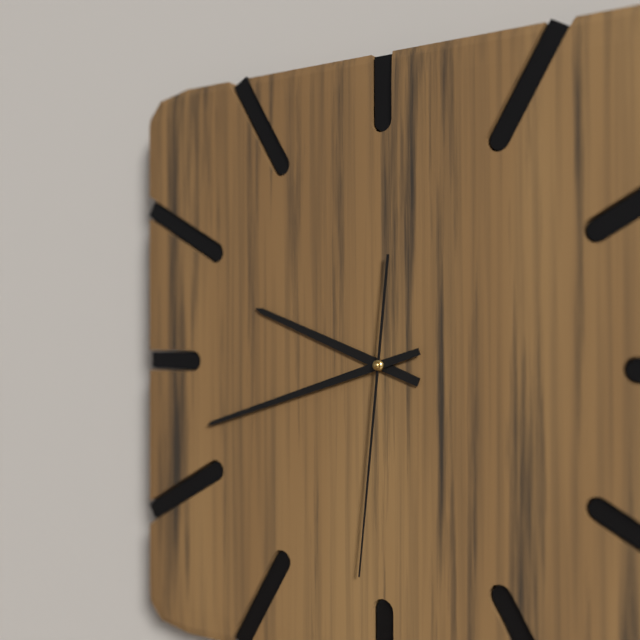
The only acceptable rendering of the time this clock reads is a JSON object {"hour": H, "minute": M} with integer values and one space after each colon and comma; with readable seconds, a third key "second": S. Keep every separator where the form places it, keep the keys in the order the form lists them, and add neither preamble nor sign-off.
{"hour": 9, "minute": 42, "second": 31}
